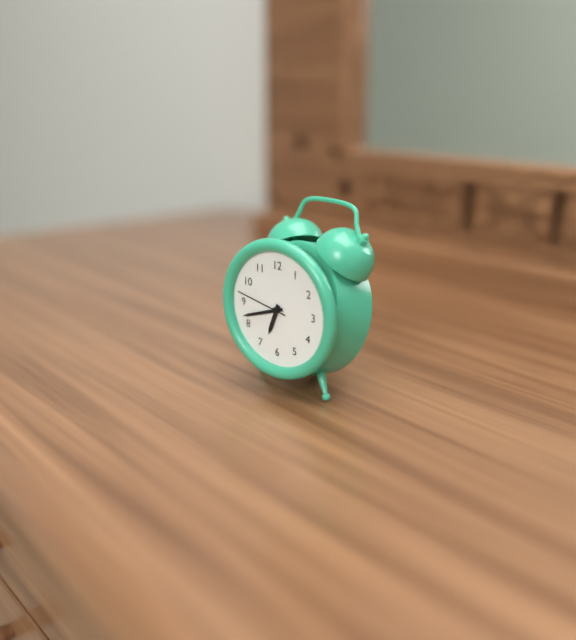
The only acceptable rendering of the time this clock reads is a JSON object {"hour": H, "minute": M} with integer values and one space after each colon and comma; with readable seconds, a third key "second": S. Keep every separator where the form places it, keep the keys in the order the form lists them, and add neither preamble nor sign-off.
{"hour": 6, "minute": 42, "second": 47}
